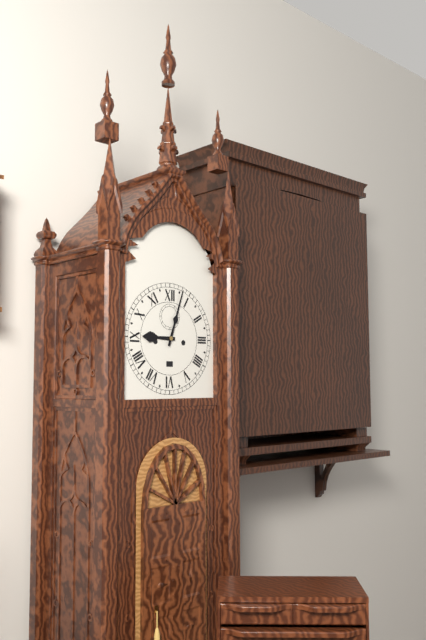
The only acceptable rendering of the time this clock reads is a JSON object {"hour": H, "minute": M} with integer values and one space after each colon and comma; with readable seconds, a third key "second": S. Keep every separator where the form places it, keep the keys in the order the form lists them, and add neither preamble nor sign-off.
{"hour": 9, "minute": 3}
